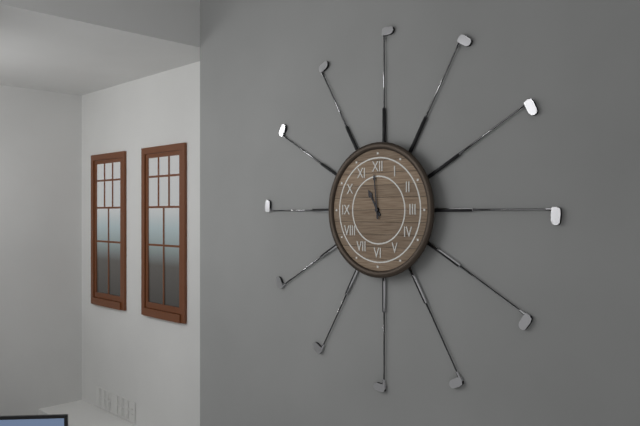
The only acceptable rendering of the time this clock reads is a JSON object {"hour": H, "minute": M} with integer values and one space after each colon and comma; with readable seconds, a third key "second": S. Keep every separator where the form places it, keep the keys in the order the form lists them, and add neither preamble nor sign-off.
{"hour": 10, "minute": 59}
